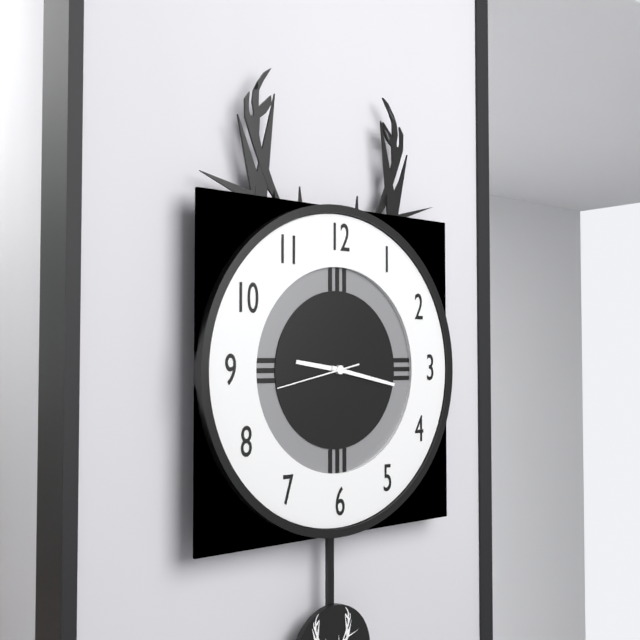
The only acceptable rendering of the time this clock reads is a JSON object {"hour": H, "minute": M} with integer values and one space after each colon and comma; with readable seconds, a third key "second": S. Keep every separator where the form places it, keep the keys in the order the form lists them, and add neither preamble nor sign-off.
{"hour": 9, "minute": 17, "second": 43}
